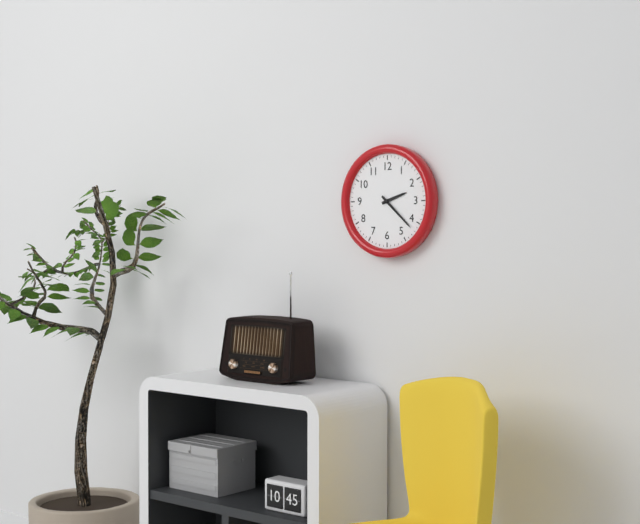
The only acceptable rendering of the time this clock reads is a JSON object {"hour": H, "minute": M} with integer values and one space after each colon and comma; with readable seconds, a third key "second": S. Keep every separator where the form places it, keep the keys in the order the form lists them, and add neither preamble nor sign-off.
{"hour": 2, "minute": 22}
